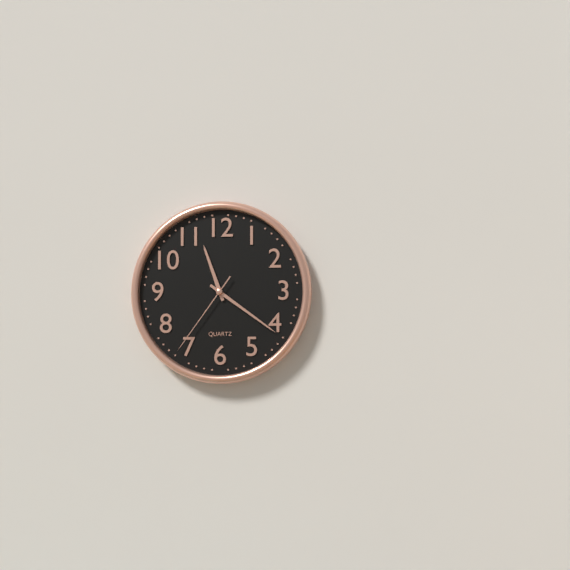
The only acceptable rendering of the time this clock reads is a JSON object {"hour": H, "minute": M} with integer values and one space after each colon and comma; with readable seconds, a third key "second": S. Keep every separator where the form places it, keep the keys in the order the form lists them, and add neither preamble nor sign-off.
{"hour": 11, "minute": 21, "second": 36}
